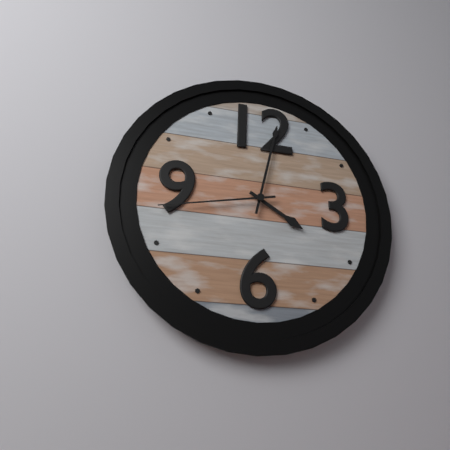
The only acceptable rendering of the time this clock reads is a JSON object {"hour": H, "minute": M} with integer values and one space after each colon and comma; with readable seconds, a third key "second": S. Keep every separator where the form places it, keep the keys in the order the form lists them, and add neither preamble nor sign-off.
{"hour": 4, "minute": 2, "second": 43}
